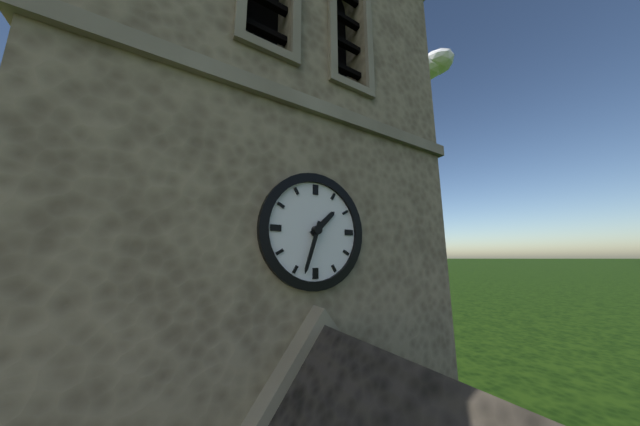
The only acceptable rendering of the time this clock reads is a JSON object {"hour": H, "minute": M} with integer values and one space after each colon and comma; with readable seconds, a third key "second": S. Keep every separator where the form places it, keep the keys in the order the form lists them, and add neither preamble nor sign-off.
{"hour": 1, "minute": 33}
